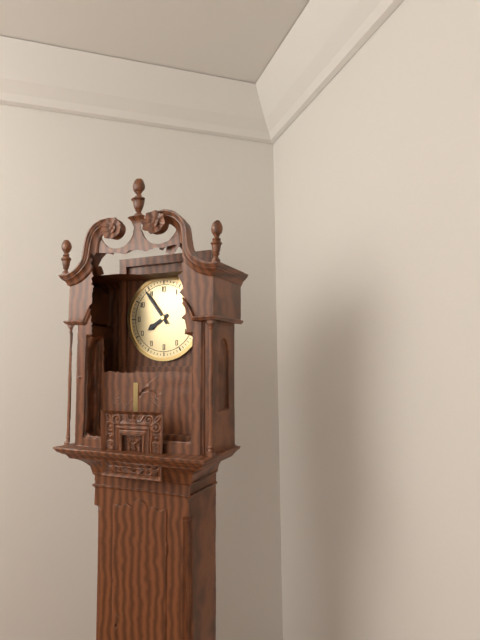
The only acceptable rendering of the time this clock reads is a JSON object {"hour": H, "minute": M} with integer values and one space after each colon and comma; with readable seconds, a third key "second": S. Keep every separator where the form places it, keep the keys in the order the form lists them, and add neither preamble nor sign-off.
{"hour": 7, "minute": 54}
